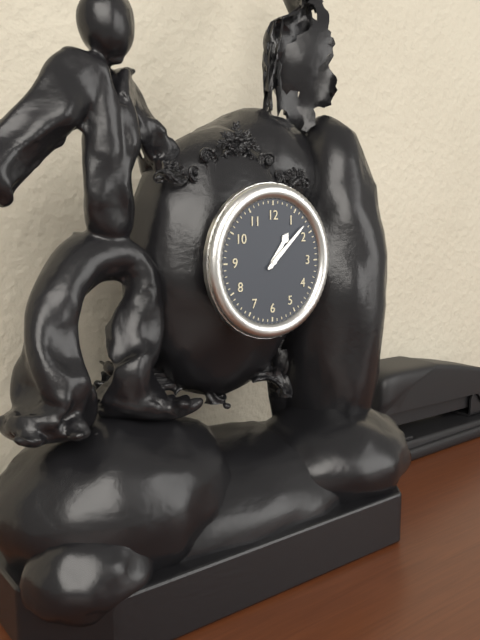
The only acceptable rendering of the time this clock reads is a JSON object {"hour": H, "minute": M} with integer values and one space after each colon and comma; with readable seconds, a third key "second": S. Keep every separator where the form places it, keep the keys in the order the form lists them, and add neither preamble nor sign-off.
{"hour": 1, "minute": 8}
